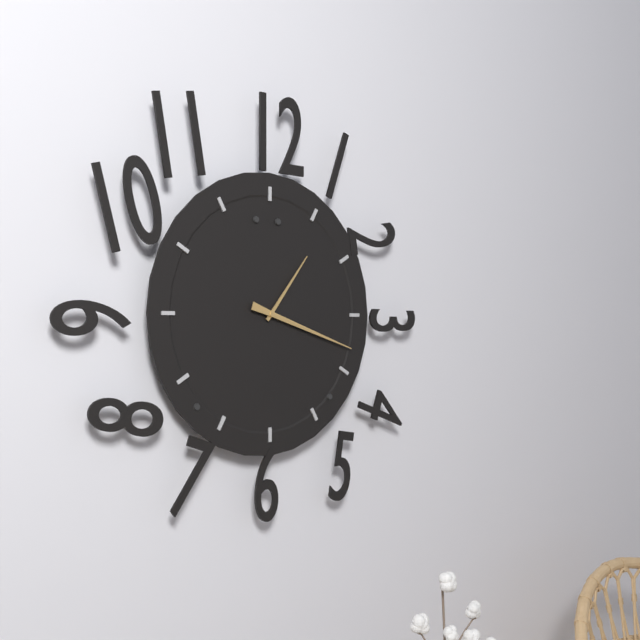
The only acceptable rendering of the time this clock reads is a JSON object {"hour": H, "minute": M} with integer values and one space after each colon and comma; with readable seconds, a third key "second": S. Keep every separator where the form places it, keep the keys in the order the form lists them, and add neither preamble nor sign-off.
{"hour": 1, "minute": 18}
